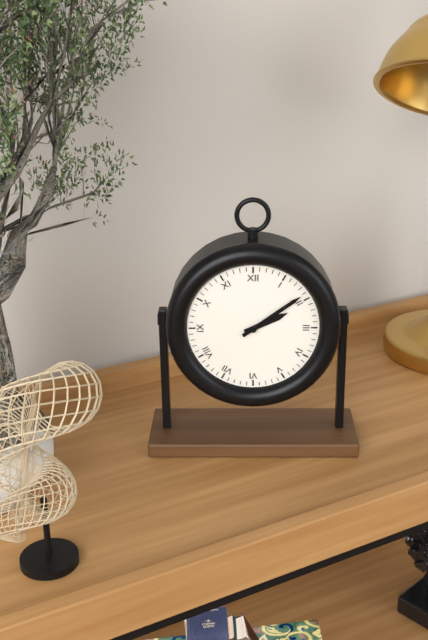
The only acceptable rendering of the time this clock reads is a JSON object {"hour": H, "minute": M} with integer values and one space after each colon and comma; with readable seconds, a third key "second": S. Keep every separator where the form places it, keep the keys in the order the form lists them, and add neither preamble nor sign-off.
{"hour": 2, "minute": 9}
